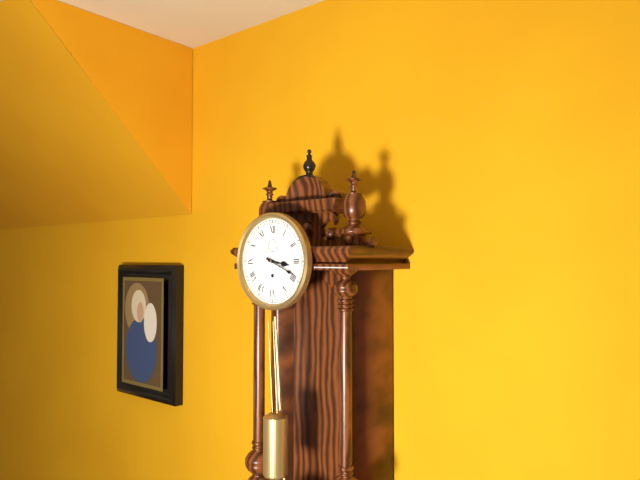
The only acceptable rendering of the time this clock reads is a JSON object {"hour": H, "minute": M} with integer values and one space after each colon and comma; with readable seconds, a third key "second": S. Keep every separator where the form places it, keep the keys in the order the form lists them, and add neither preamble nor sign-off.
{"hour": 3, "minute": 19}
